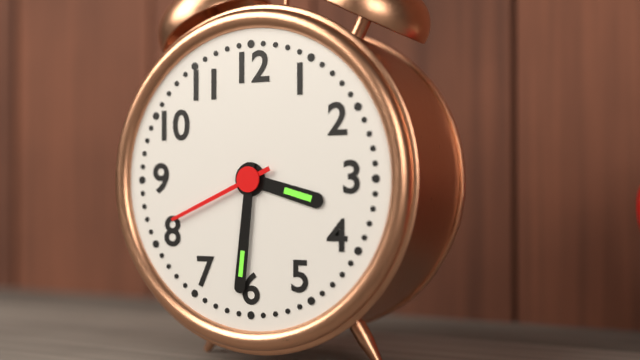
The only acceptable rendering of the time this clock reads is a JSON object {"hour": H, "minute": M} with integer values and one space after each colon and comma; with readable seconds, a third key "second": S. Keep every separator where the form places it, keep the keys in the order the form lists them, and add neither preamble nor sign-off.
{"hour": 3, "minute": 31, "second": 41}
